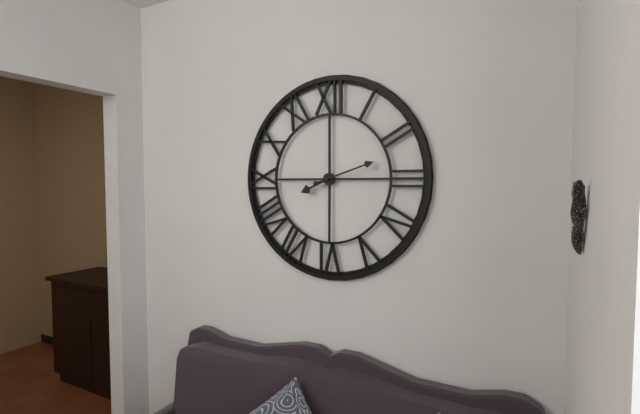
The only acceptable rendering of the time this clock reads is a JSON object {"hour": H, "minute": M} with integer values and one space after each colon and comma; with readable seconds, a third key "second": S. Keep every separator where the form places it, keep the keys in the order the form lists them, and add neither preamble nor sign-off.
{"hour": 8, "minute": 12}
